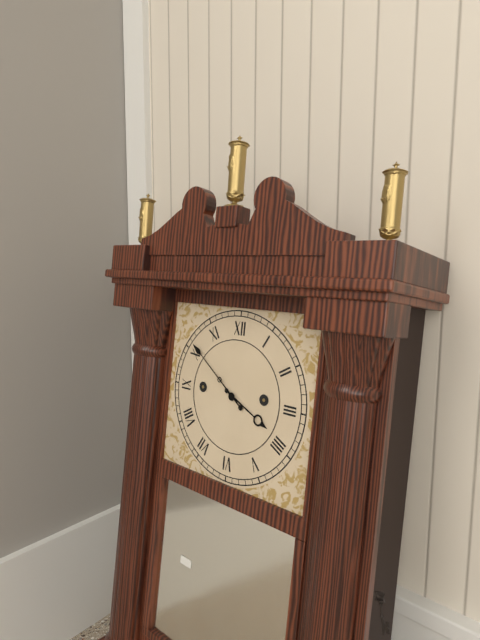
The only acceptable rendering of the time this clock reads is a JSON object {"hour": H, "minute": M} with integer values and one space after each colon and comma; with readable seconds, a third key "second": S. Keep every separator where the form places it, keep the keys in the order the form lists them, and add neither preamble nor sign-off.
{"hour": 3, "minute": 51}
